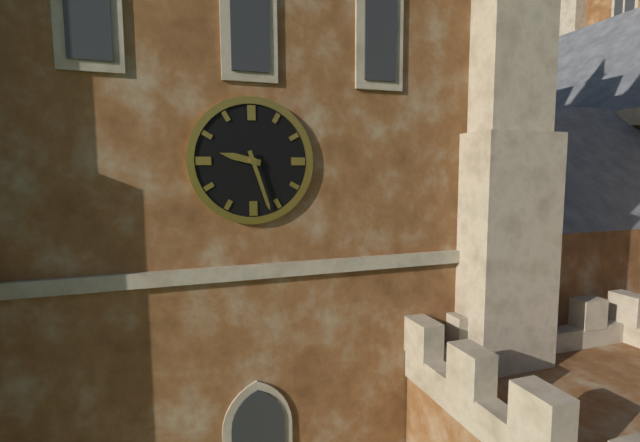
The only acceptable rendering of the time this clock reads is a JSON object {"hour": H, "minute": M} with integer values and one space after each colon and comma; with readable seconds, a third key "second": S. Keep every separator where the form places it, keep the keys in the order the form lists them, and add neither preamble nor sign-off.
{"hour": 9, "minute": 27}
